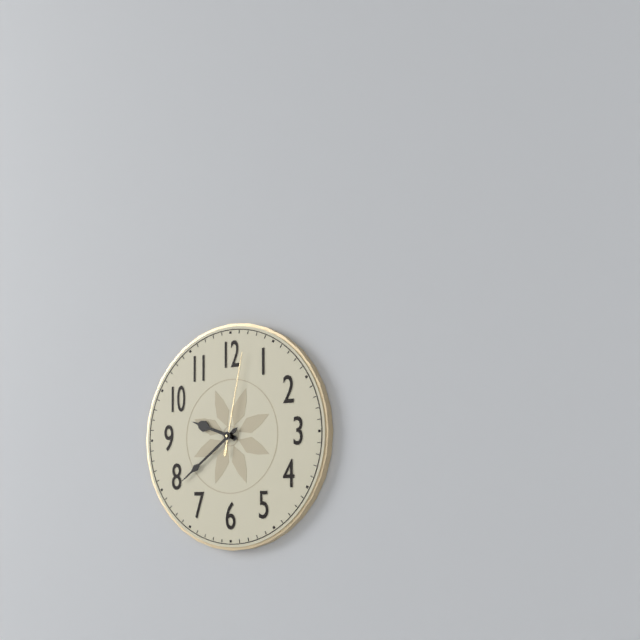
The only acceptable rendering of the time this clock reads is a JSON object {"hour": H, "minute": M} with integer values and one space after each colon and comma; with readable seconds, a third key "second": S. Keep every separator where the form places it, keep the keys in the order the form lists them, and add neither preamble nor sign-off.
{"hour": 9, "minute": 39, "second": 2}
